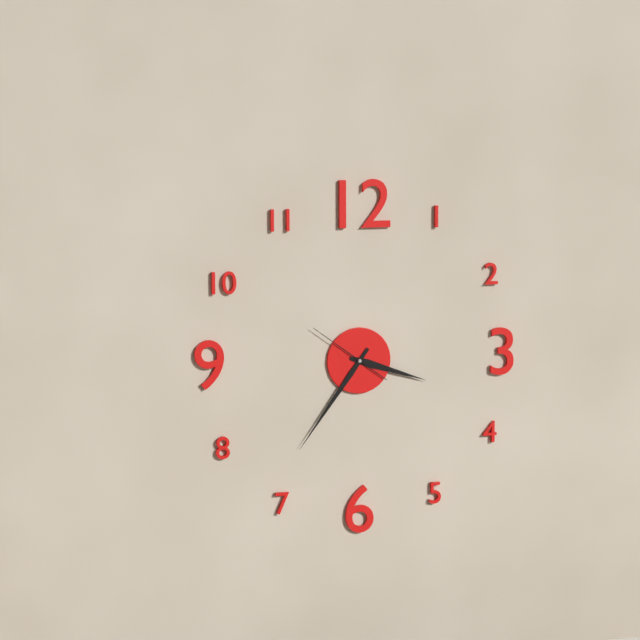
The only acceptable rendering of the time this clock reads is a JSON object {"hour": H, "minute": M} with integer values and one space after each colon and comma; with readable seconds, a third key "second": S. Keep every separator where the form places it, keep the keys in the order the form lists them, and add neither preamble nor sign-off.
{"hour": 3, "minute": 36, "second": 51}
